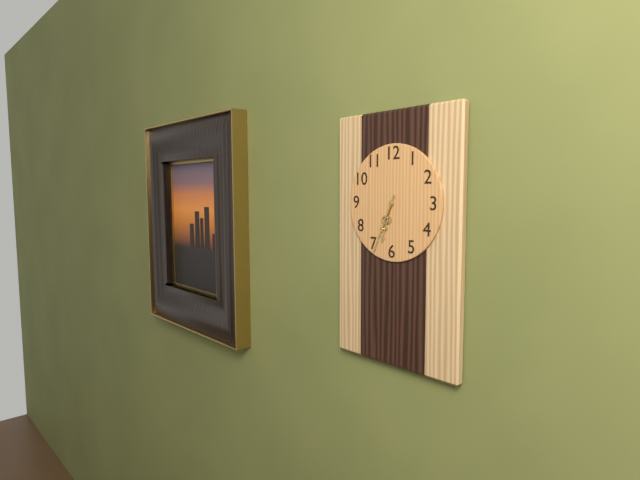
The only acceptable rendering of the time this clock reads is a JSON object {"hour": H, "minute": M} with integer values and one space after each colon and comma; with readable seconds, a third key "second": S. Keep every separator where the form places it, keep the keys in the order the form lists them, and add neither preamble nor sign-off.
{"hour": 6, "minute": 34}
